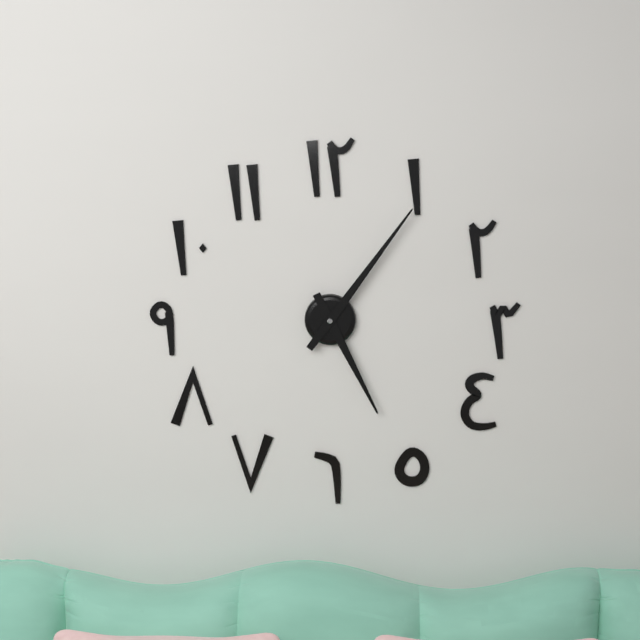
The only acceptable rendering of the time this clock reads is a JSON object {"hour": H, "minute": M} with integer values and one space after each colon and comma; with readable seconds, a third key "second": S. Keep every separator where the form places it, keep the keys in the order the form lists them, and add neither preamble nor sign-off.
{"hour": 5, "minute": 6}
